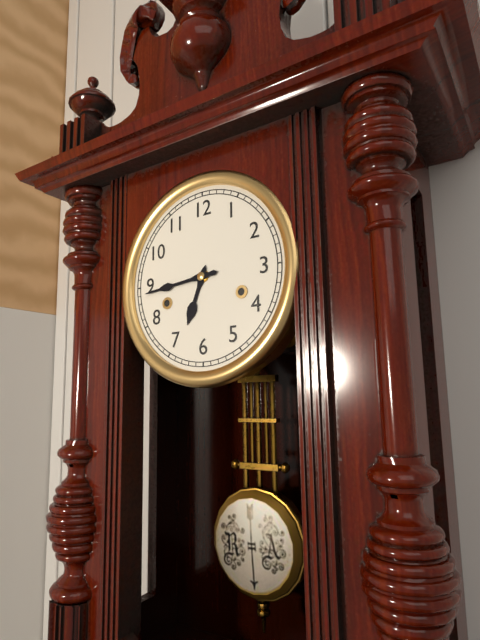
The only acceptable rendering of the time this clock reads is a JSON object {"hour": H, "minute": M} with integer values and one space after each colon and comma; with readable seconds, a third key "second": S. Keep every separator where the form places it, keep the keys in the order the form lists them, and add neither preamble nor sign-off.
{"hour": 6, "minute": 44}
